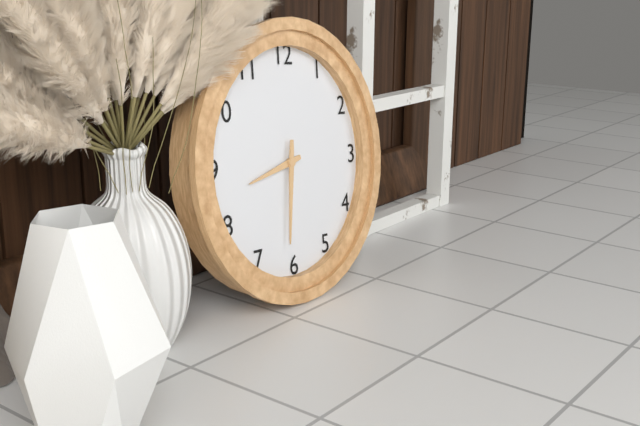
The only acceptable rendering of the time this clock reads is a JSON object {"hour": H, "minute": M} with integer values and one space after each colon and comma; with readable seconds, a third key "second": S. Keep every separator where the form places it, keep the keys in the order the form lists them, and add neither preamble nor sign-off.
{"hour": 8, "minute": 31}
